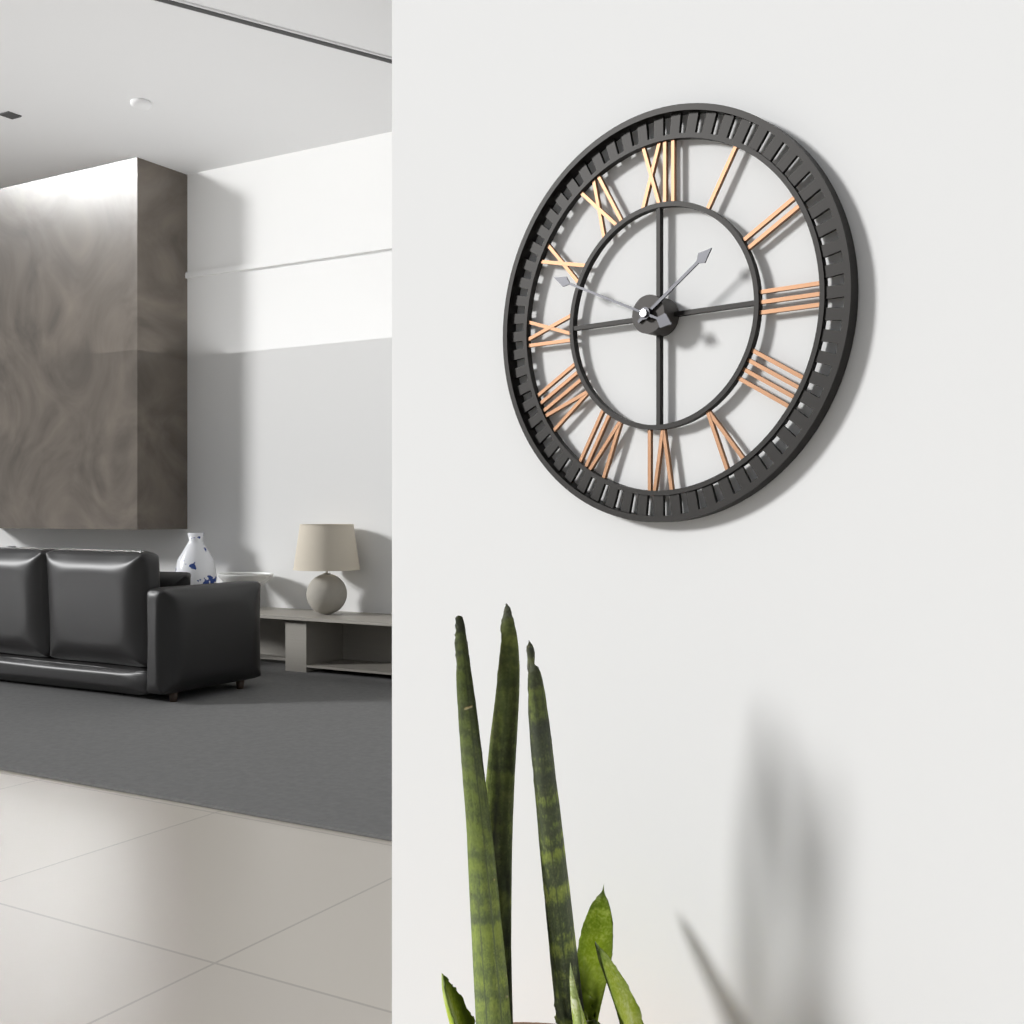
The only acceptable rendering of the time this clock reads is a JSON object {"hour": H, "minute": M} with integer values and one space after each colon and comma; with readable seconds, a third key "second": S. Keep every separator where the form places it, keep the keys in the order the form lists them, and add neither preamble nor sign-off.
{"hour": 1, "minute": 49}
